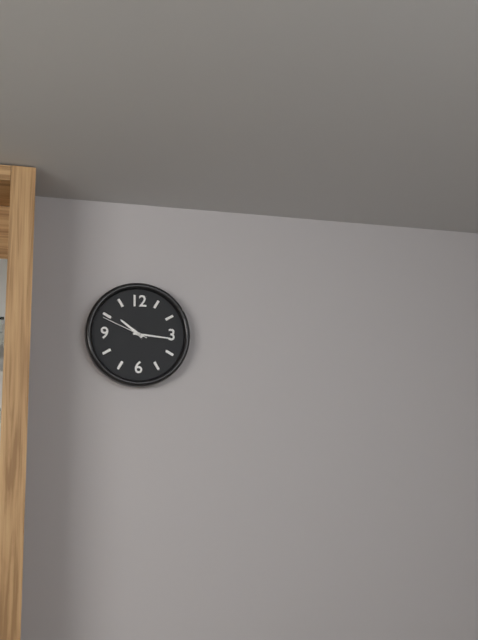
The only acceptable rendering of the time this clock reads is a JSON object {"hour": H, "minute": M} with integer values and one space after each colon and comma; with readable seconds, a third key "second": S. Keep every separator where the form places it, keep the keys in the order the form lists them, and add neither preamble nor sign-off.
{"hour": 10, "minute": 16}
